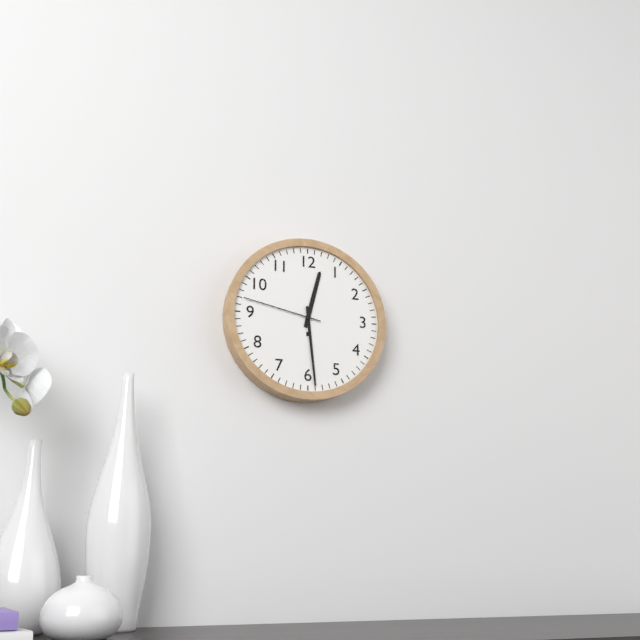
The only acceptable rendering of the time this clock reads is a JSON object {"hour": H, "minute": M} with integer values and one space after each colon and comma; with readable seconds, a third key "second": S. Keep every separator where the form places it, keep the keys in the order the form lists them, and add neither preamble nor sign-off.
{"hour": 12, "minute": 29, "second": 47}
